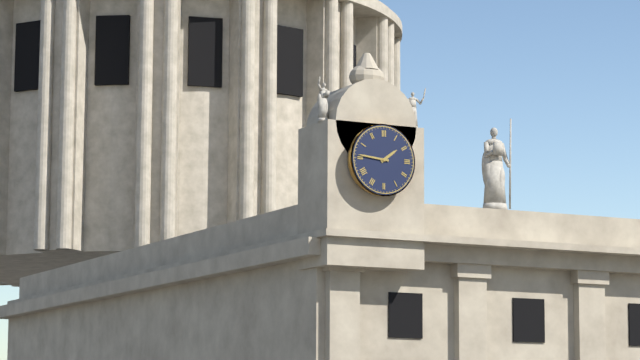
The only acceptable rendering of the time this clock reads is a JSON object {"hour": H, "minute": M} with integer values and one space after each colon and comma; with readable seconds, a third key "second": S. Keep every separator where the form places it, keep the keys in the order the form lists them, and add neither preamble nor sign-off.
{"hour": 1, "minute": 46}
